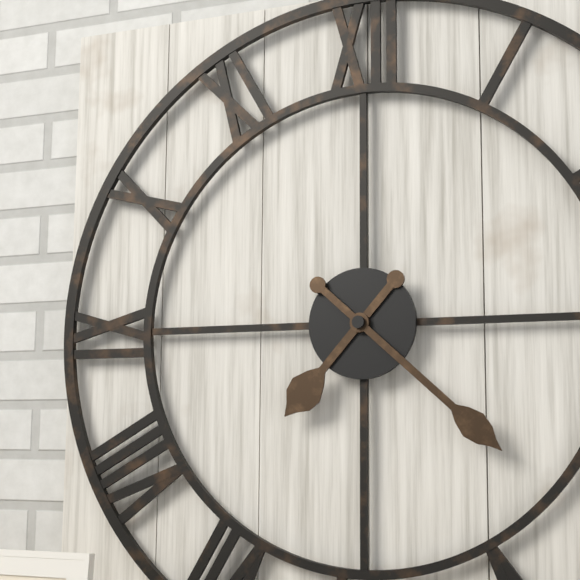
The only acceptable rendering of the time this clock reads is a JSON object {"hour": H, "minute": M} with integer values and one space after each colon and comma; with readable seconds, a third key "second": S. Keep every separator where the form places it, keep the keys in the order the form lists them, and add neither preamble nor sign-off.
{"hour": 7, "minute": 22}
